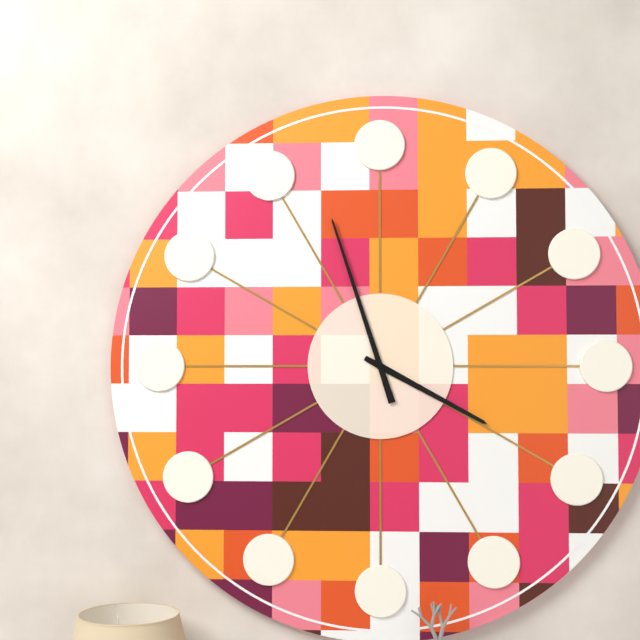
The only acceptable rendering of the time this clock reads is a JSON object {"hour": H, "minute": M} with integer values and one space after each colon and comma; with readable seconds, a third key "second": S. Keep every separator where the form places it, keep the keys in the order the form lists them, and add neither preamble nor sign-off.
{"hour": 3, "minute": 57}
